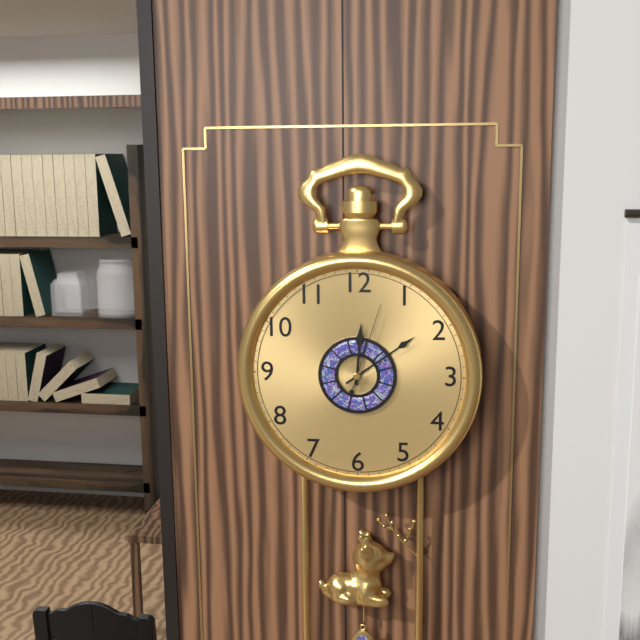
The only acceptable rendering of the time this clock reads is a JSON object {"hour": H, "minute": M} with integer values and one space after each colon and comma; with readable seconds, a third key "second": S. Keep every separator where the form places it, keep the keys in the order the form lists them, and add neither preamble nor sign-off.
{"hour": 12, "minute": 9, "second": 3}
